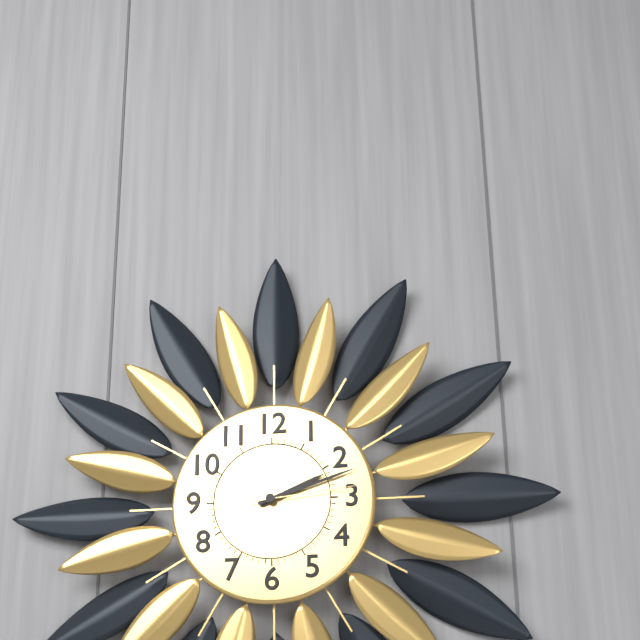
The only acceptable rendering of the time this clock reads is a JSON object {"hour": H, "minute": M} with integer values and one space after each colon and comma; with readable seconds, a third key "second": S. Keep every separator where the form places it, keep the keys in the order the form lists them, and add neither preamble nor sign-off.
{"hour": 2, "minute": 12, "second": 14}
